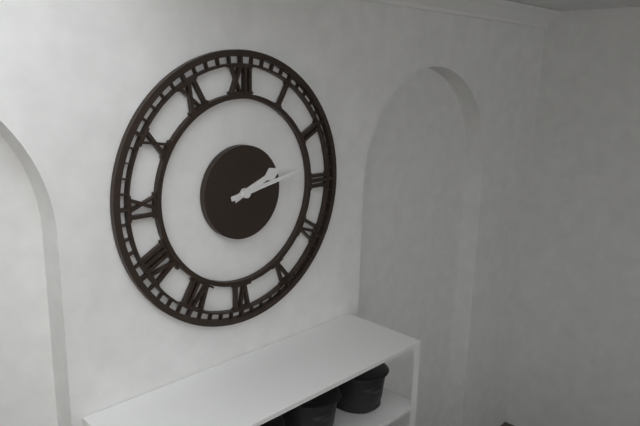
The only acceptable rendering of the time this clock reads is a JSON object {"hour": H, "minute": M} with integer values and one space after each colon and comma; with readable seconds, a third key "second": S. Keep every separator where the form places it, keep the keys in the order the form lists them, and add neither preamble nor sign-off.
{"hour": 2, "minute": 13}
